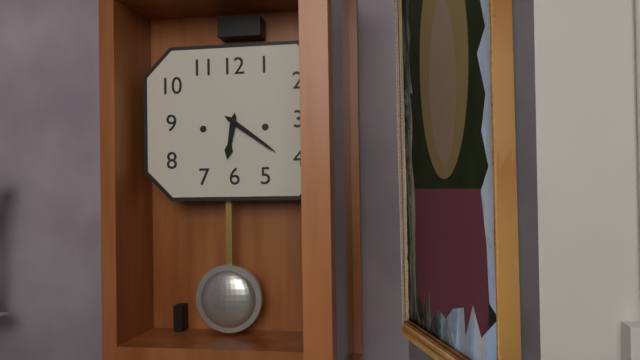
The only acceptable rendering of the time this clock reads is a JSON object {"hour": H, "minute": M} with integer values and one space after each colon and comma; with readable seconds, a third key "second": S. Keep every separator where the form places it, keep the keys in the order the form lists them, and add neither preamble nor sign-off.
{"hour": 6, "minute": 21}
